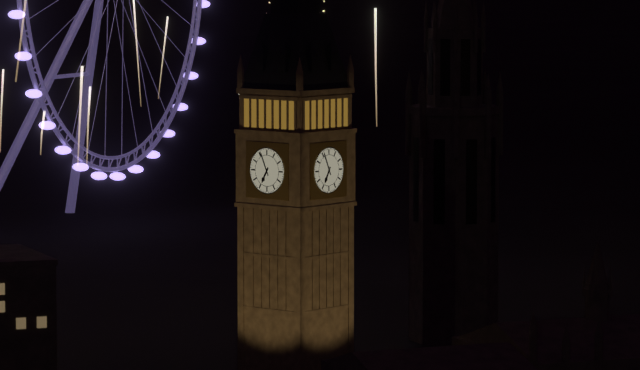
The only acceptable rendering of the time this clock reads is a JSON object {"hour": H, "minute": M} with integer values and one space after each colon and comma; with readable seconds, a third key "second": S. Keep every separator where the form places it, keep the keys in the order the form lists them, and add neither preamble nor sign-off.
{"hour": 6, "minute": 56}
